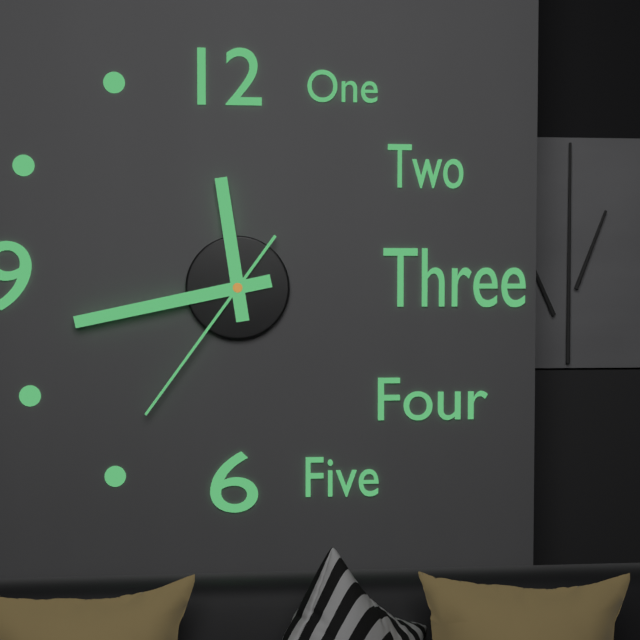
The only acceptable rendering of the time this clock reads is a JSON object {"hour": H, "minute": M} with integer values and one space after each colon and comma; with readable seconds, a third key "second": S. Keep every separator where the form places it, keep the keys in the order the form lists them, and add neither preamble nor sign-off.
{"hour": 11, "minute": 43, "second": 36}
